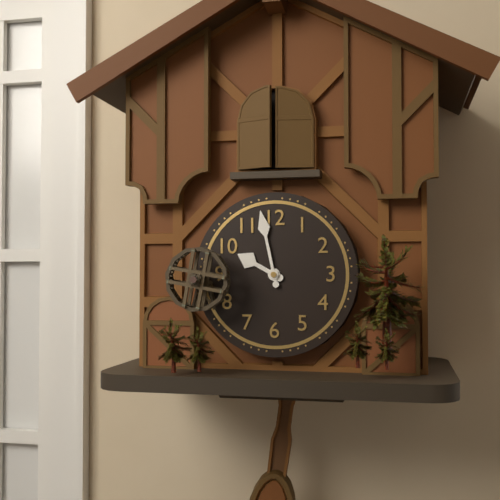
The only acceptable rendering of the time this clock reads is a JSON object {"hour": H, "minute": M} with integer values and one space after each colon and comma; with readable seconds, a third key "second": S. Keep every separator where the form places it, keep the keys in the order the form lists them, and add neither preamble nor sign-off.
{"hour": 9, "minute": 58}
